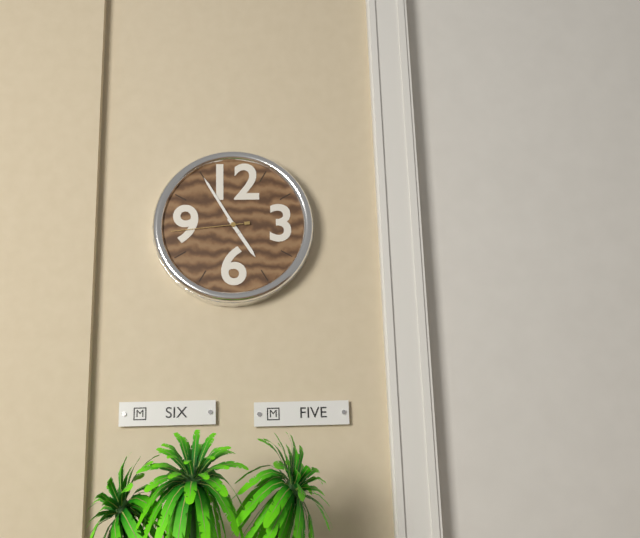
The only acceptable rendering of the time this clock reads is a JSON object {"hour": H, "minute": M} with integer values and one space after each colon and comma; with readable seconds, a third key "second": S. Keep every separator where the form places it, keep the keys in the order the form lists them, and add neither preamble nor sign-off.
{"hour": 4, "minute": 55, "second": 44}
